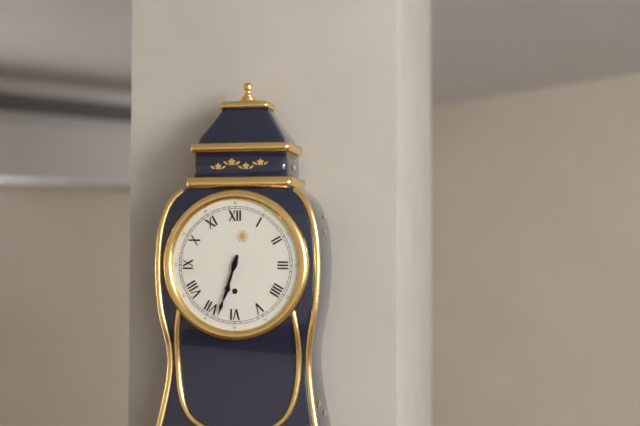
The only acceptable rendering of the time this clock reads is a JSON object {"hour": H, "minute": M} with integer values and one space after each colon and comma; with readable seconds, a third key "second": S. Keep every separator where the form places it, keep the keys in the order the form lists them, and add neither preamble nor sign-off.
{"hour": 6, "minute": 33}
